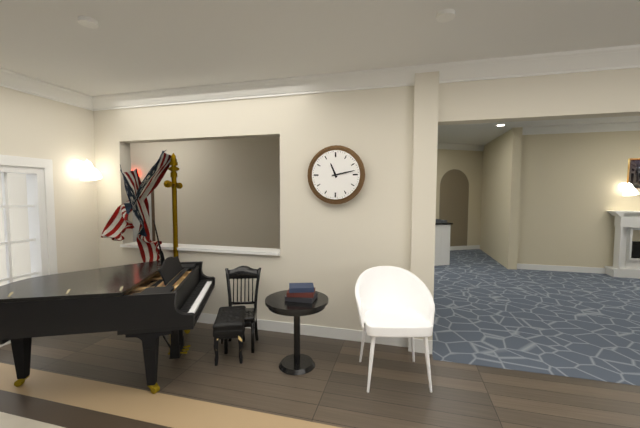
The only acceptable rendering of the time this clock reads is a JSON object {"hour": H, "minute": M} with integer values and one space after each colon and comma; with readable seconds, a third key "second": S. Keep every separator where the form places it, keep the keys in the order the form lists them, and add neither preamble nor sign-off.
{"hour": 11, "minute": 13}
